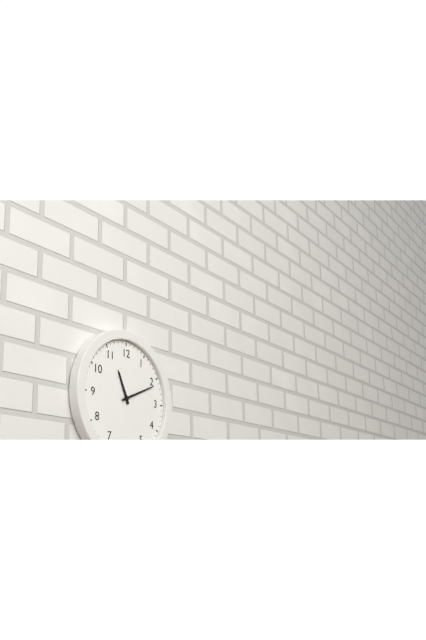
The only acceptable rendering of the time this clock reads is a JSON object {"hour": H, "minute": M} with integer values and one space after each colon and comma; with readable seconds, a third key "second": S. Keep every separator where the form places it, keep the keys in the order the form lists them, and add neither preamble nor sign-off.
{"hour": 11, "minute": 11}
